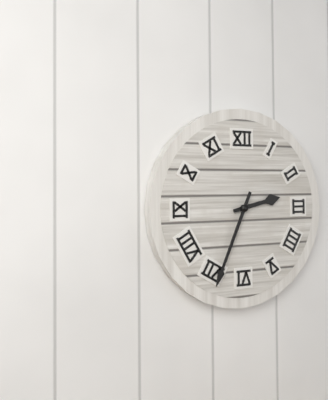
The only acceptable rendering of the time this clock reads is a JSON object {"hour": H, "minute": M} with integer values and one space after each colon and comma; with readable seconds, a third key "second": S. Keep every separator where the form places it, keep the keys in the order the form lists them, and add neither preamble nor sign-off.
{"hour": 2, "minute": 34}
